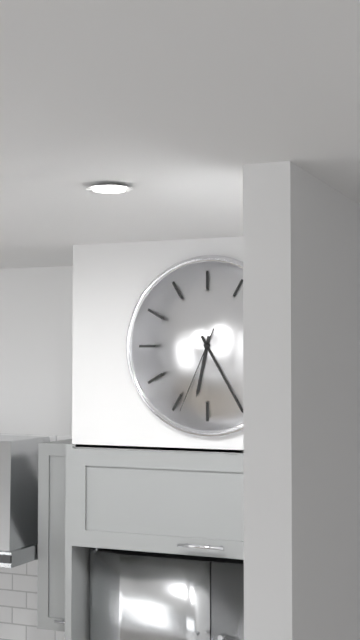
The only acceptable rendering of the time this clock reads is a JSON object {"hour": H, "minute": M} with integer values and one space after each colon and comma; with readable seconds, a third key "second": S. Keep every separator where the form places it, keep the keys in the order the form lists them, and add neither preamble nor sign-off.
{"hour": 6, "minute": 25, "second": 34}
